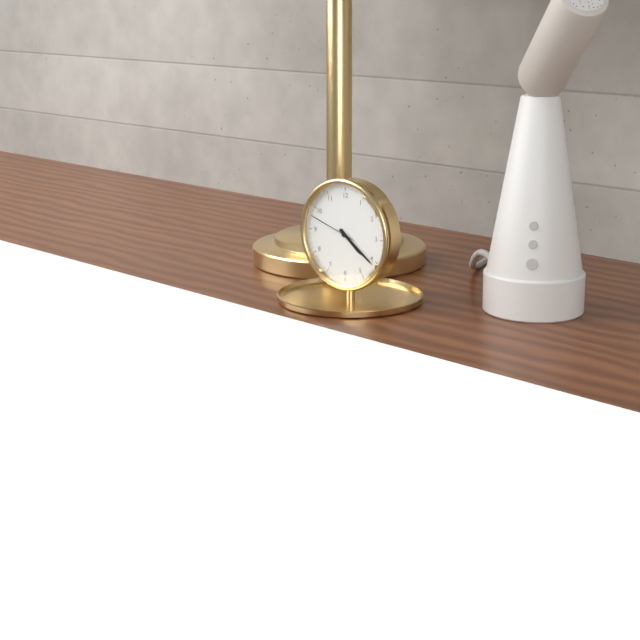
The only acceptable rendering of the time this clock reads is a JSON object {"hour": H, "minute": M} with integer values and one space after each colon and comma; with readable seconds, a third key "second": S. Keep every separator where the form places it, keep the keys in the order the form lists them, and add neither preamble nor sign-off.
{"hour": 4, "minute": 21}
